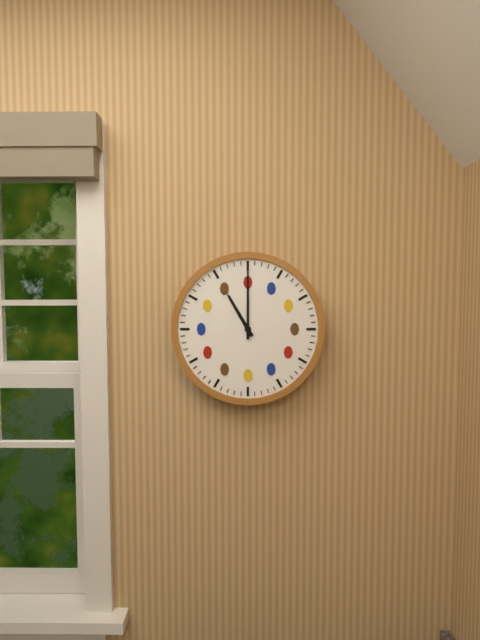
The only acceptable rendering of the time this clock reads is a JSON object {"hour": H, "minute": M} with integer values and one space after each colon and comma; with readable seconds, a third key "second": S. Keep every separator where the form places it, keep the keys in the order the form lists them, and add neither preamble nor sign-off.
{"hour": 11, "minute": 0}
